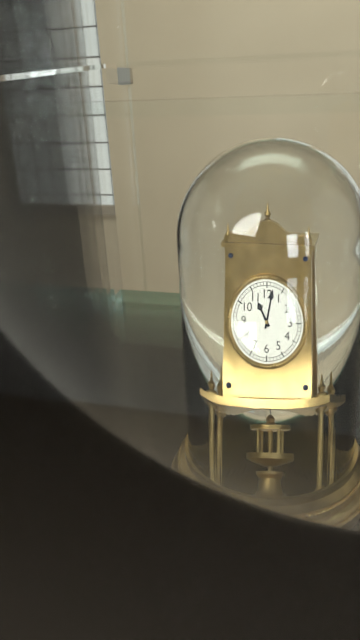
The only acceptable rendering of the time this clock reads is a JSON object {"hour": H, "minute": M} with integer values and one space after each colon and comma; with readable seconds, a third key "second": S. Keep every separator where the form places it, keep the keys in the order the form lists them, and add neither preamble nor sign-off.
{"hour": 11, "minute": 2}
